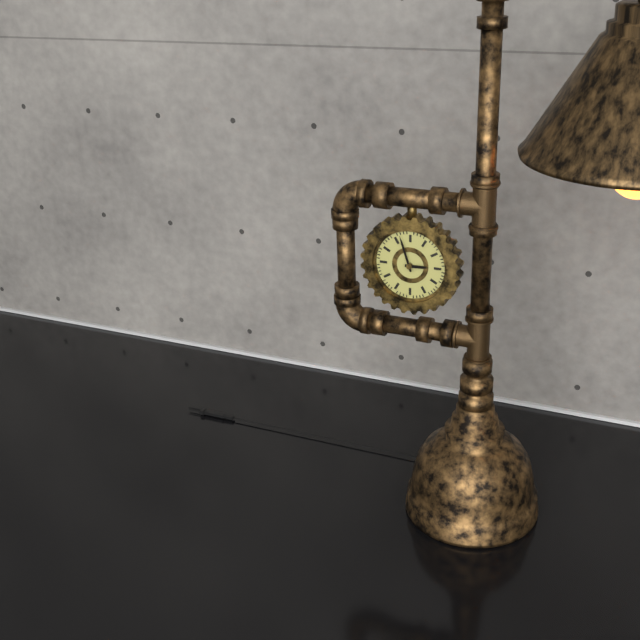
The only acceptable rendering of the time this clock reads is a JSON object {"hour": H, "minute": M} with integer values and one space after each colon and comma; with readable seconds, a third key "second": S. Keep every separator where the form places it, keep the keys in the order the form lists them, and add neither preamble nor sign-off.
{"hour": 2, "minute": 57}
